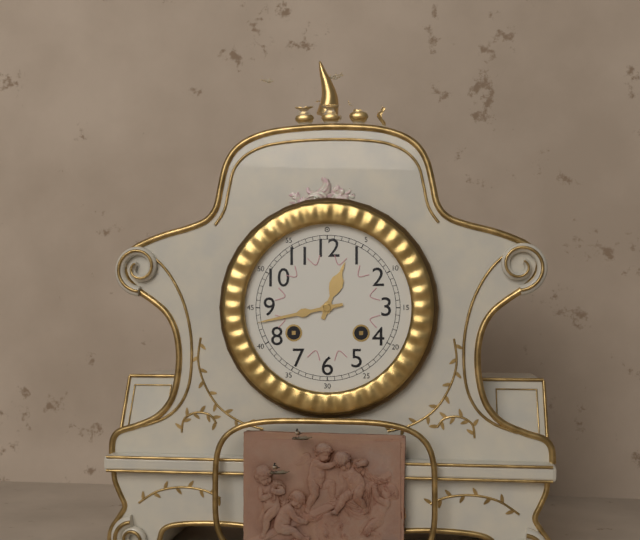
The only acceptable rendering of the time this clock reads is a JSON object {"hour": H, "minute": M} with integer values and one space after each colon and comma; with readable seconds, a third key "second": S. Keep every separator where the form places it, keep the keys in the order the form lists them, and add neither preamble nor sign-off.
{"hour": 12, "minute": 43}
